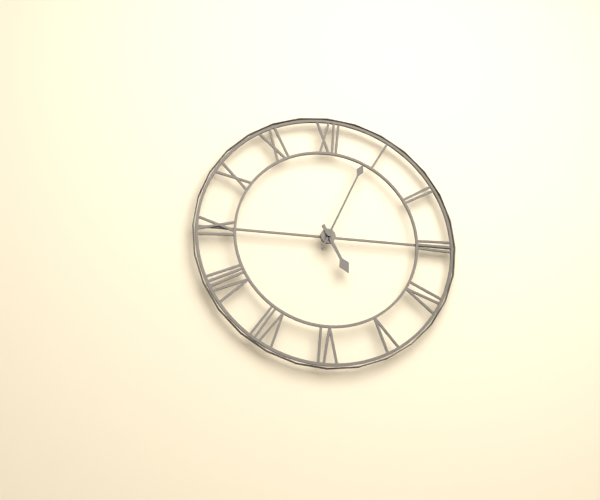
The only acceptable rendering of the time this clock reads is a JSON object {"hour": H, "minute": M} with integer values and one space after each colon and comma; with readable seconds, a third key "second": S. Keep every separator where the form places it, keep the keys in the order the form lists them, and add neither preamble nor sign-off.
{"hour": 5, "minute": 4}
